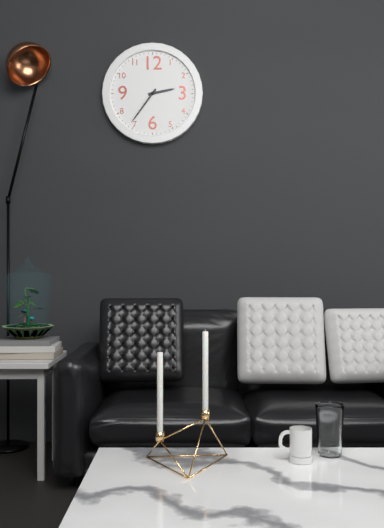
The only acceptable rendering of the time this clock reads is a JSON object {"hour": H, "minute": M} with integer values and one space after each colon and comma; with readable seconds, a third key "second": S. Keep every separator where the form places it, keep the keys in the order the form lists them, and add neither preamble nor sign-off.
{"hour": 2, "minute": 36}
